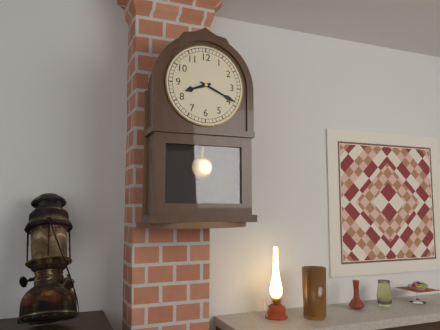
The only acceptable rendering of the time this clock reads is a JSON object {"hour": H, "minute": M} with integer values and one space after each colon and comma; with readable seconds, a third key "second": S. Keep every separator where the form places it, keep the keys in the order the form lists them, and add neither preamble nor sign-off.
{"hour": 8, "minute": 19}
